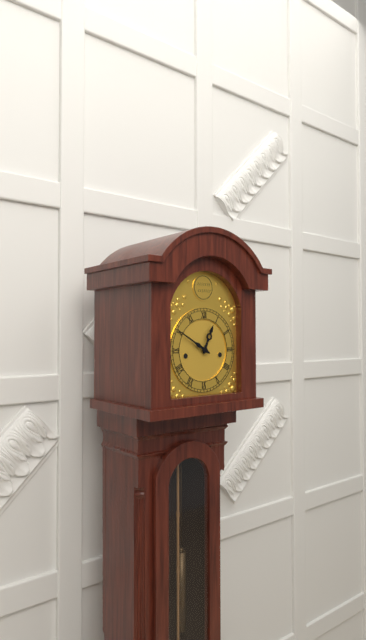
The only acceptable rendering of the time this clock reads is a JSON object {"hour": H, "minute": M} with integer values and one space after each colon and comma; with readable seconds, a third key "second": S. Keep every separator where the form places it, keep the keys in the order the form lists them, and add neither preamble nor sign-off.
{"hour": 12, "minute": 50}
